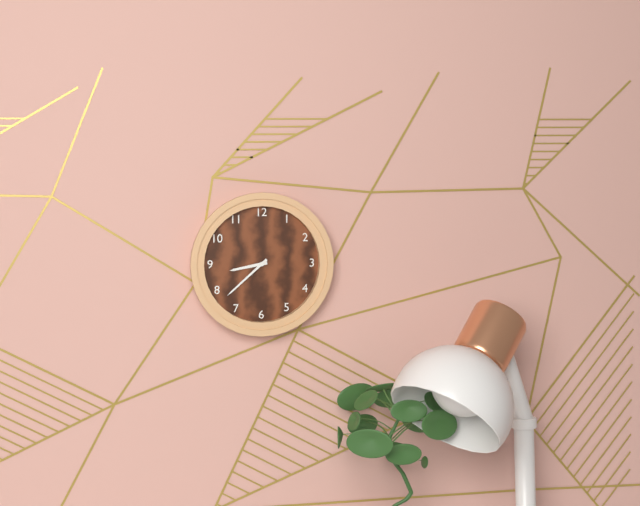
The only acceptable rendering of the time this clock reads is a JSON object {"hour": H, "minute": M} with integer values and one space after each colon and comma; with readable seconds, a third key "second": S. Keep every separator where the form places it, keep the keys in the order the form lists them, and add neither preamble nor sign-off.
{"hour": 8, "minute": 38}
